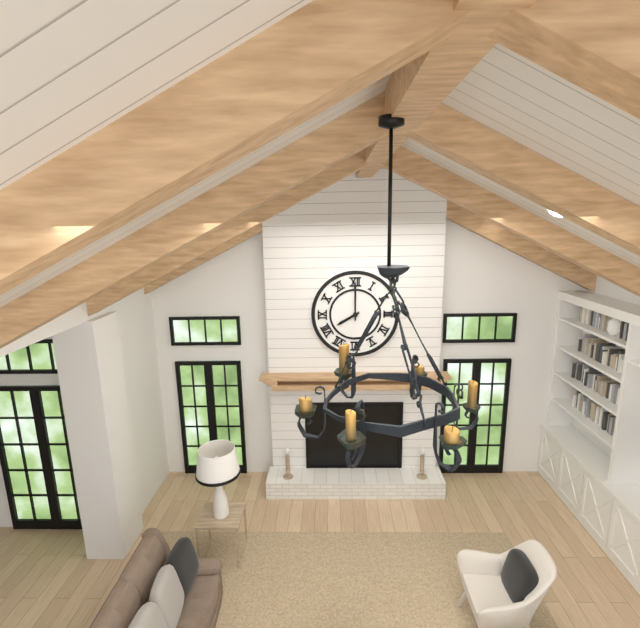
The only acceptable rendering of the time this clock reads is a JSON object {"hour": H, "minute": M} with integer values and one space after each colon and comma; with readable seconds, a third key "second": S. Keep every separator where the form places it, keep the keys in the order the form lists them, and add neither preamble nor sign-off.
{"hour": 8, "minute": 0}
